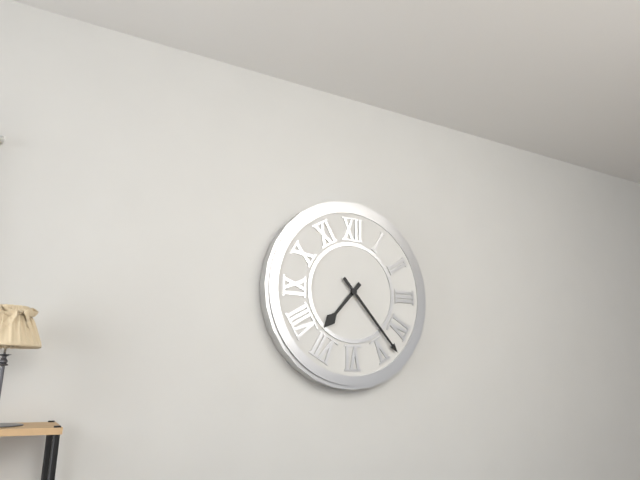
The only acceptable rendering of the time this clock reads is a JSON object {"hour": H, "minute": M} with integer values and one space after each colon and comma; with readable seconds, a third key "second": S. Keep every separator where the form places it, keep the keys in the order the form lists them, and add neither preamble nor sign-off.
{"hour": 7, "minute": 23}
